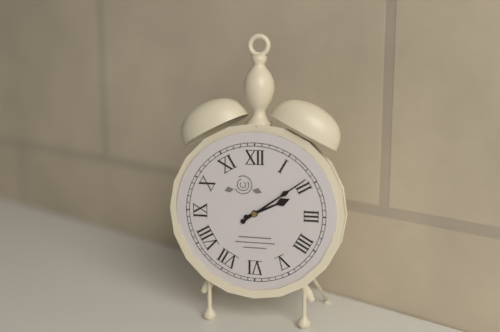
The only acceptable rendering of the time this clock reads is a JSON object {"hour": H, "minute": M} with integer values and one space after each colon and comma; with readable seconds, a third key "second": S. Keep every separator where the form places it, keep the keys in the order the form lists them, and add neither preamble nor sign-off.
{"hour": 2, "minute": 9}
